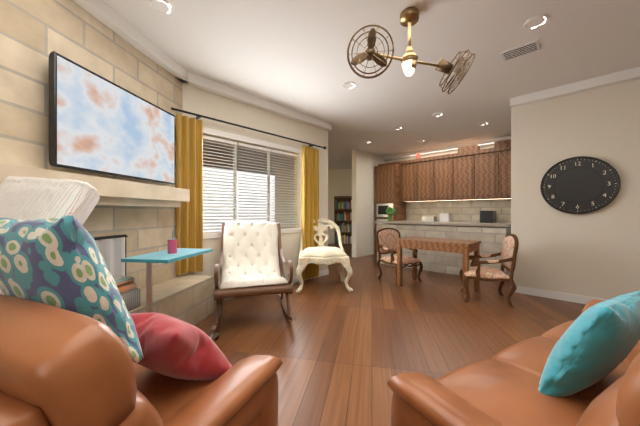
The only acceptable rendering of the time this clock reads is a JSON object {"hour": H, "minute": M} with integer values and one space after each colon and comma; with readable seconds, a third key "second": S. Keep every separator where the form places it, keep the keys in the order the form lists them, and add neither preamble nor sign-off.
{"hour": 9, "minute": 34}
